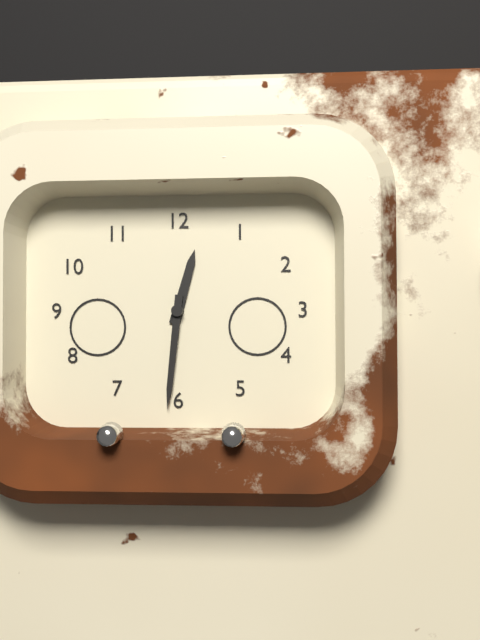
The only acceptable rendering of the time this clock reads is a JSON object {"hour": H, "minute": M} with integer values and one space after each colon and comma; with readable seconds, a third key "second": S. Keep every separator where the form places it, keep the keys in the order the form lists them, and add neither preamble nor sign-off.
{"hour": 12, "minute": 31}
